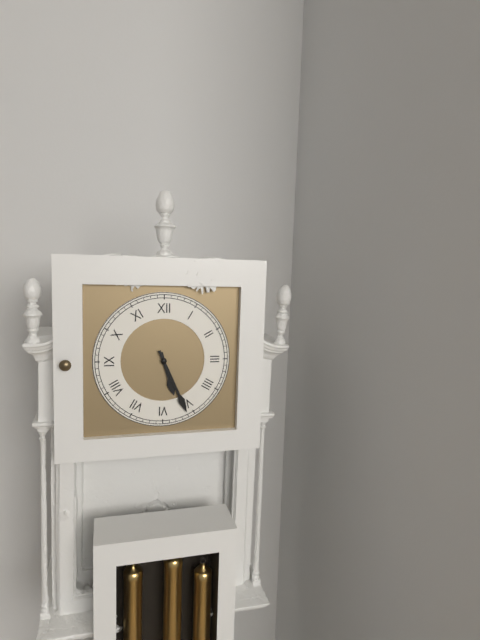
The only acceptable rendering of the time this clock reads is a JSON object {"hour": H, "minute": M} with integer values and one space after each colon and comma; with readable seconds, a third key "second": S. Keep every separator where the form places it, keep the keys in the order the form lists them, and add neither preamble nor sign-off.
{"hour": 5, "minute": 26}
